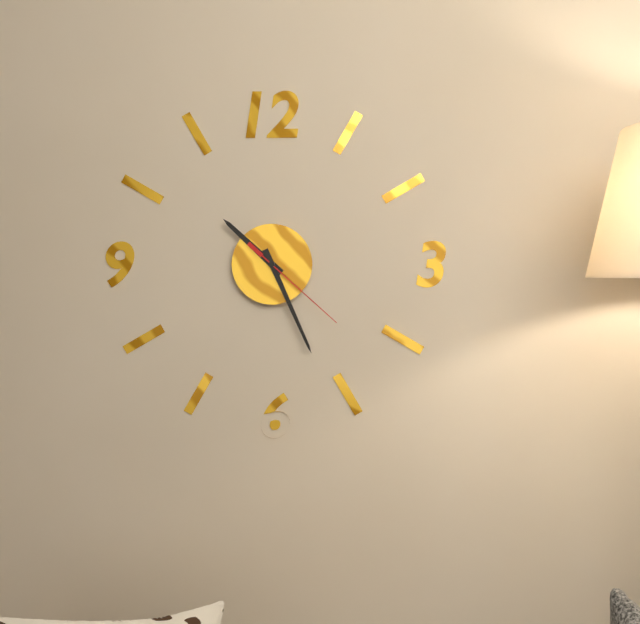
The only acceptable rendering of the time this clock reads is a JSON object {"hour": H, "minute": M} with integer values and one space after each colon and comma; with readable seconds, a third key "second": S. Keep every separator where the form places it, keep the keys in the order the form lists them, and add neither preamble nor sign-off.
{"hour": 10, "minute": 26, "second": 22}
